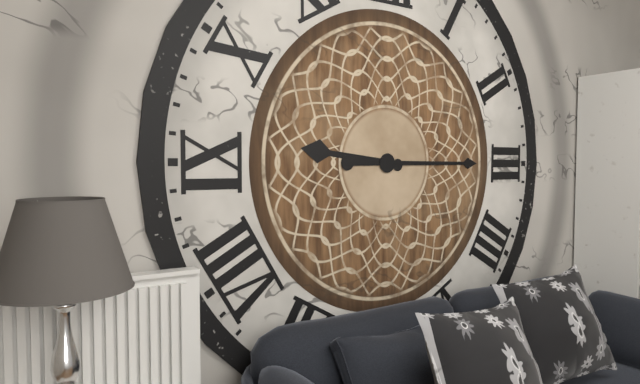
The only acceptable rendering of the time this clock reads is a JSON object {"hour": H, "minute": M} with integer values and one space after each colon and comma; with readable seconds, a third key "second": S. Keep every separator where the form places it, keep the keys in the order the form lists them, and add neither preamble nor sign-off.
{"hour": 9, "minute": 15}
